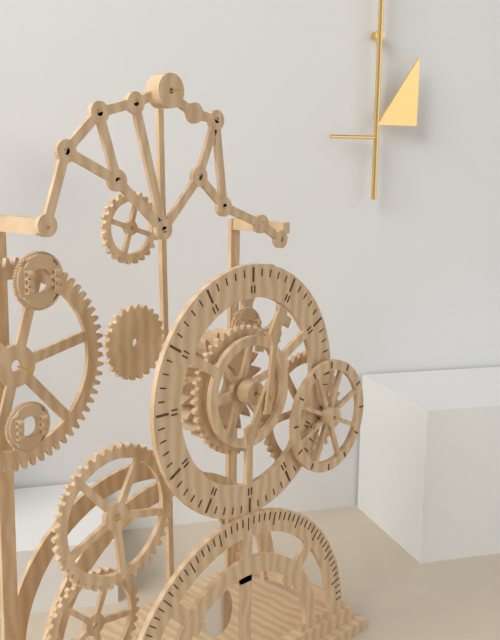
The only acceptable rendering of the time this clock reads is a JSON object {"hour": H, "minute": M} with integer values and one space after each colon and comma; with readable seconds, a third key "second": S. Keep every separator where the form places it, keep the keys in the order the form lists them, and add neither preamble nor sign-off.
{"hour": 7, "minute": 1}
